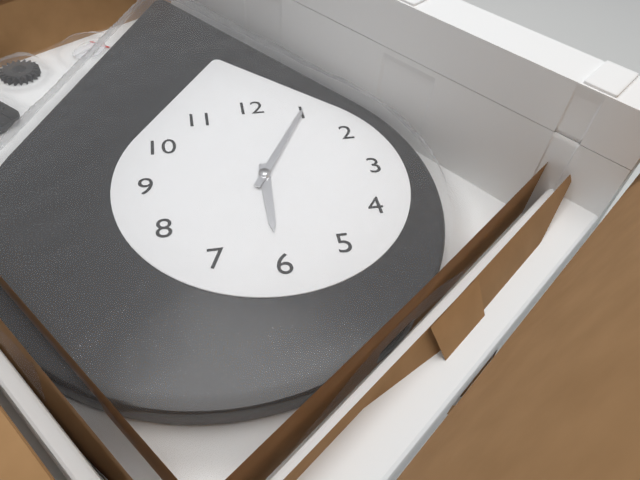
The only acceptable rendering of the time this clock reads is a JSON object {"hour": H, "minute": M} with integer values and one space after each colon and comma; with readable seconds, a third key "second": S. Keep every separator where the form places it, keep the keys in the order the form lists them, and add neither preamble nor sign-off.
{"hour": 6, "minute": 5}
